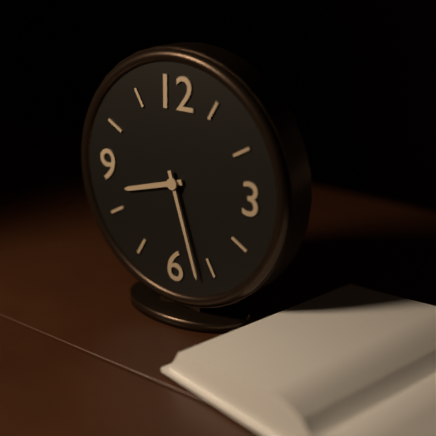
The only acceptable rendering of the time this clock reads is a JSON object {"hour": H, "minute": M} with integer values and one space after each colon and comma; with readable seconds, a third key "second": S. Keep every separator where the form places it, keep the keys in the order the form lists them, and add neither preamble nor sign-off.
{"hour": 8, "minute": 27}
